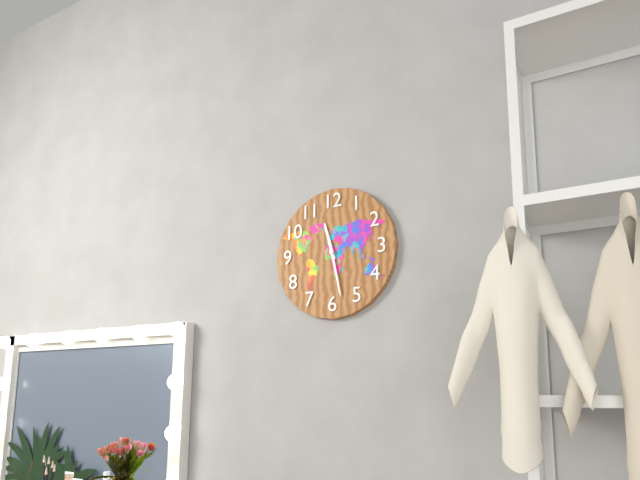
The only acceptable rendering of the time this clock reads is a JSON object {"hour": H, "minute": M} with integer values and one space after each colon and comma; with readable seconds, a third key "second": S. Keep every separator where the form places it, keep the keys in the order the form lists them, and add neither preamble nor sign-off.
{"hour": 11, "minute": 28}
